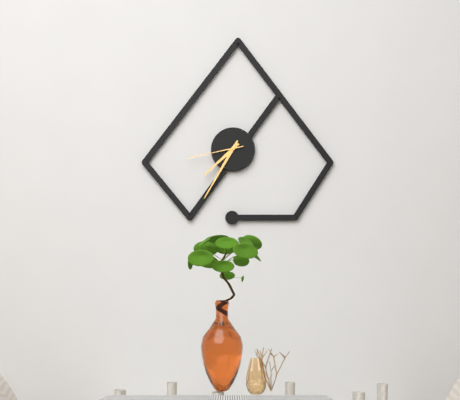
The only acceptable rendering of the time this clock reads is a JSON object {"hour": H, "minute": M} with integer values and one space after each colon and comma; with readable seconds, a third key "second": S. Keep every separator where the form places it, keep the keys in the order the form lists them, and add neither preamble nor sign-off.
{"hour": 7, "minute": 35, "second": 43}
